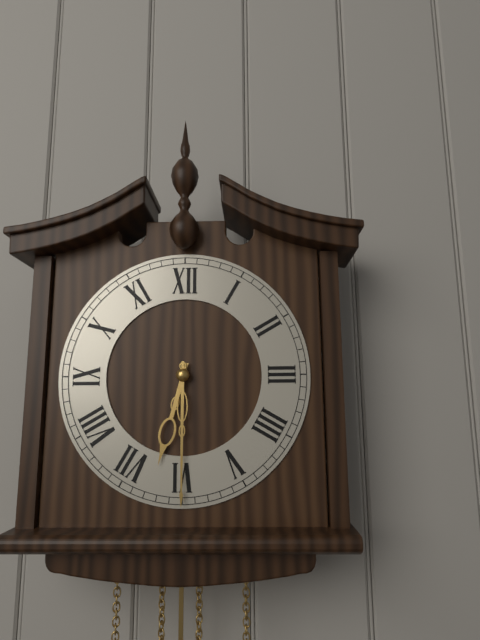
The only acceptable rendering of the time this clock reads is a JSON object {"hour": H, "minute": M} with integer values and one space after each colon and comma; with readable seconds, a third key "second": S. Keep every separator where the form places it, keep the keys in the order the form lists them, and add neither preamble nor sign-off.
{"hour": 6, "minute": 30}
